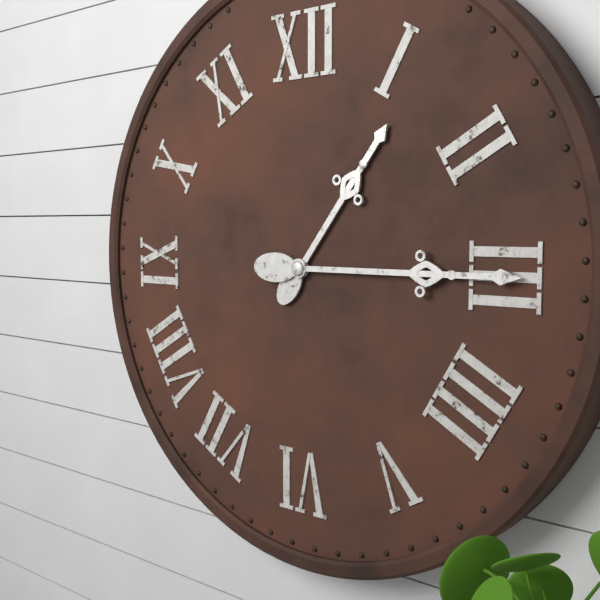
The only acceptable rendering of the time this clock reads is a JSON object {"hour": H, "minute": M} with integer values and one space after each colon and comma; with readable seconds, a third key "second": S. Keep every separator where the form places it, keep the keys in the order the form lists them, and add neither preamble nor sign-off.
{"hour": 1, "minute": 15}
